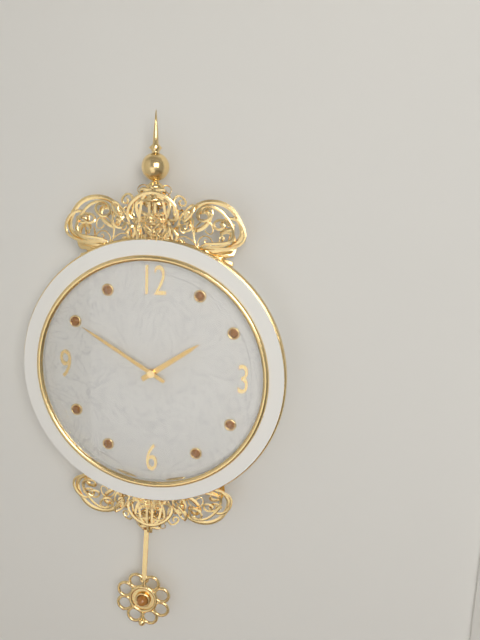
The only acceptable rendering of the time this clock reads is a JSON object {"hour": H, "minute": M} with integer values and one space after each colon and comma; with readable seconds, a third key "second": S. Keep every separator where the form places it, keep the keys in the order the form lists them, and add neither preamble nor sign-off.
{"hour": 1, "minute": 50}
